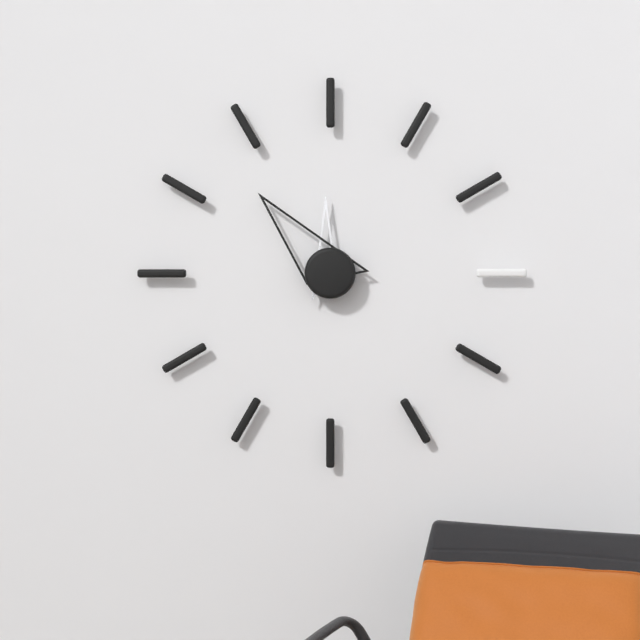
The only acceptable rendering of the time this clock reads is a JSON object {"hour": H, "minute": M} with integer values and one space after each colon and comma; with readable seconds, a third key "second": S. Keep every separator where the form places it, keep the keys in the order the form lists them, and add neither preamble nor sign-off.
{"hour": 11, "minute": 53}
